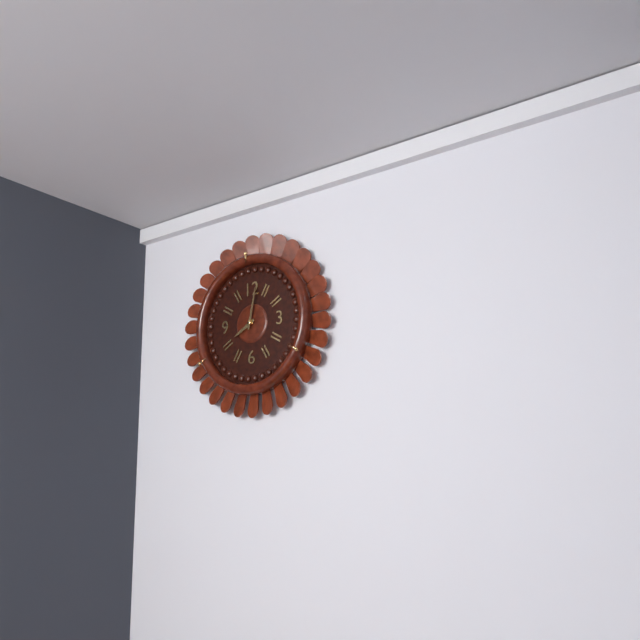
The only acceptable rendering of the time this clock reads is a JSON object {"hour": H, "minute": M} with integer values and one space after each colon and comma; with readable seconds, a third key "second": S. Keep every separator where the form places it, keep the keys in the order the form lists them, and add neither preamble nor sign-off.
{"hour": 8, "minute": 2}
